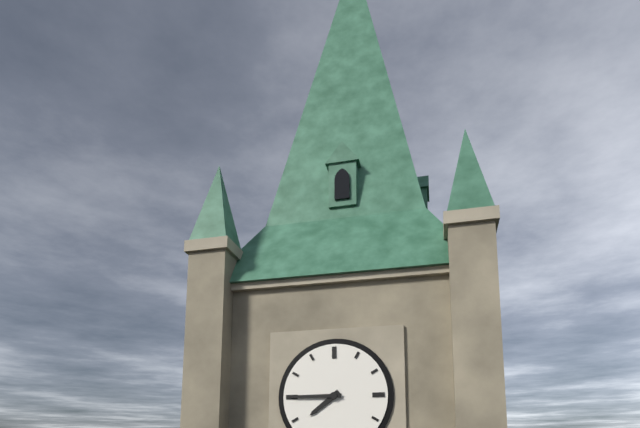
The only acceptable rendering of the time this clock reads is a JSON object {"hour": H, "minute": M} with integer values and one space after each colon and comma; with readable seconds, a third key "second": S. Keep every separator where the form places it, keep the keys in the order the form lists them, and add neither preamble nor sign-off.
{"hour": 7, "minute": 45}
